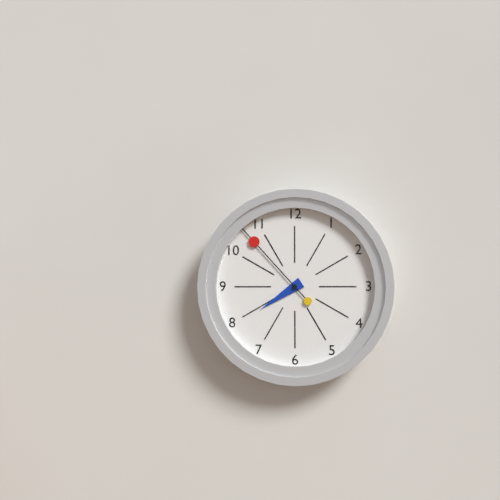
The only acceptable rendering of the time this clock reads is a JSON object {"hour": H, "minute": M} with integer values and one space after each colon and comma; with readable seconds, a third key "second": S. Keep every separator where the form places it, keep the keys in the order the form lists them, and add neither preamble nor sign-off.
{"hour": 7, "minute": 53}
